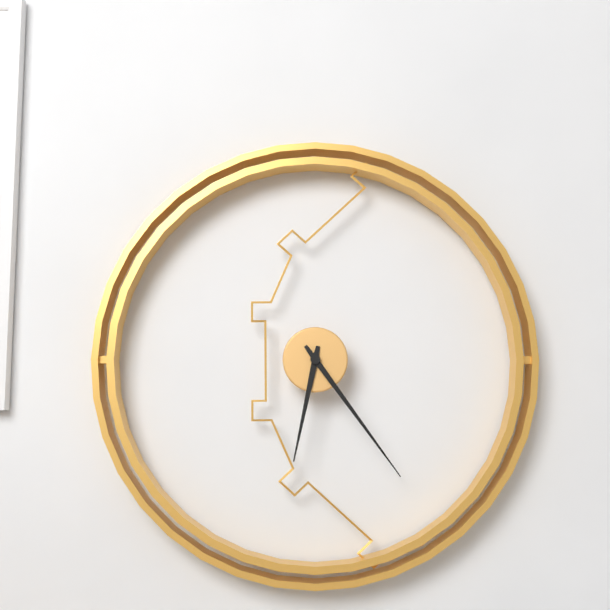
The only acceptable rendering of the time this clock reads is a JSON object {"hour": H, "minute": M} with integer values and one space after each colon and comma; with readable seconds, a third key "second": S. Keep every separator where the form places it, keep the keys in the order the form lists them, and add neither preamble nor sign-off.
{"hour": 6, "minute": 24}
